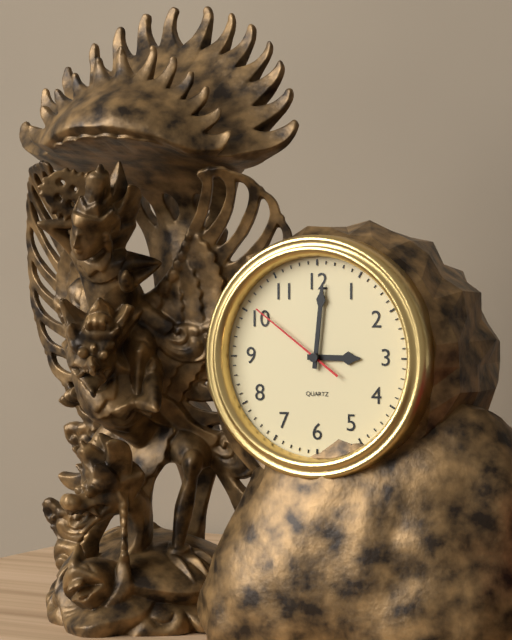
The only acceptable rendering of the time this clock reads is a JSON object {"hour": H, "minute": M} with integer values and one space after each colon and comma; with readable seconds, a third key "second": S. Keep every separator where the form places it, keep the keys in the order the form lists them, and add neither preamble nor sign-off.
{"hour": 3, "minute": 1, "second": 51}
